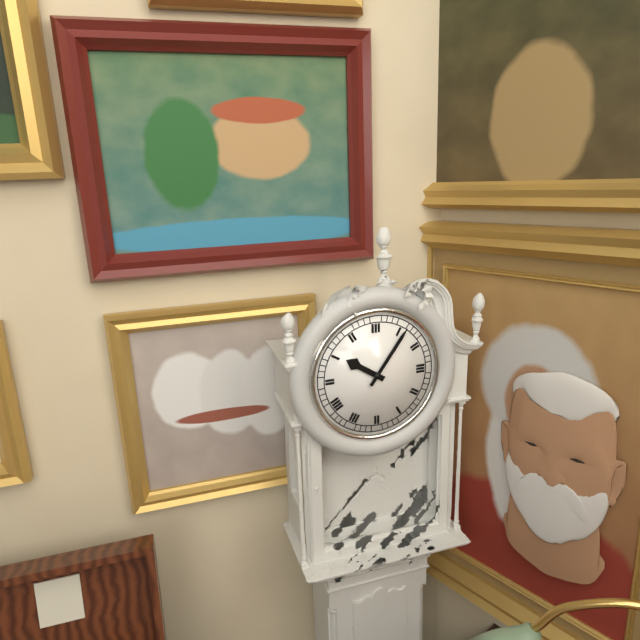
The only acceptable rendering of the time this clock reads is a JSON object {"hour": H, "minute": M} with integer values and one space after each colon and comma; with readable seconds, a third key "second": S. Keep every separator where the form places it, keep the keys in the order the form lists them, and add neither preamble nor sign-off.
{"hour": 10, "minute": 6}
